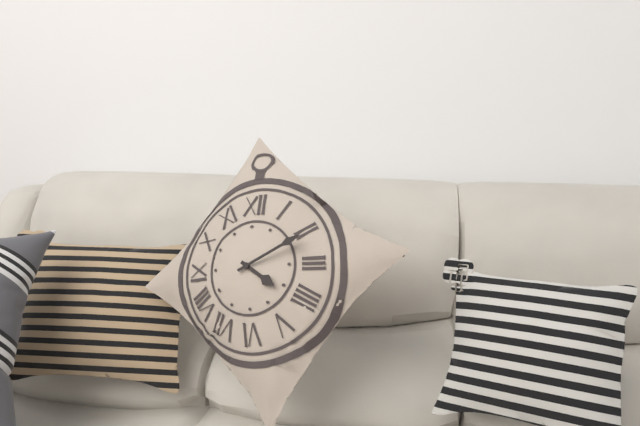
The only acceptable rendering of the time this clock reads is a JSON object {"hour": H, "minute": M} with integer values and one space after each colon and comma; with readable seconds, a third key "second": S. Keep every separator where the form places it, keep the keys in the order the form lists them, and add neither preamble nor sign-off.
{"hour": 4, "minute": 11}
